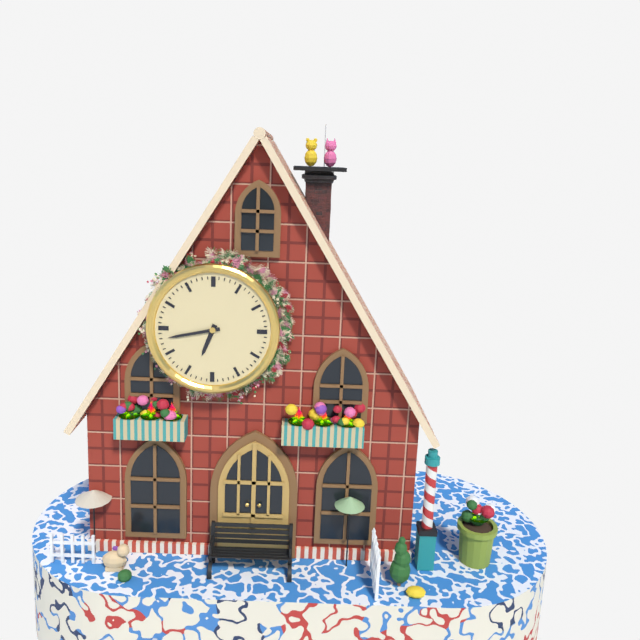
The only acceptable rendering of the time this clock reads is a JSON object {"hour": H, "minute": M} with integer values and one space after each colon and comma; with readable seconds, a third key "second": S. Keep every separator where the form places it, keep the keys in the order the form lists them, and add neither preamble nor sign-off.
{"hour": 6, "minute": 43}
